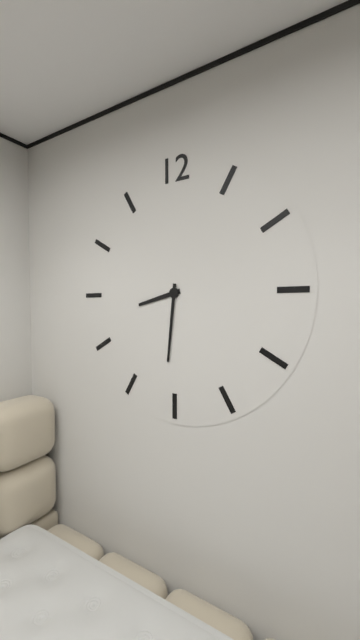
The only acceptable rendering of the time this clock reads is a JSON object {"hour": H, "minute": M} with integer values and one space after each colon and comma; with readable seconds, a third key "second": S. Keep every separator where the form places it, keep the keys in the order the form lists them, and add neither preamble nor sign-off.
{"hour": 8, "minute": 31}
